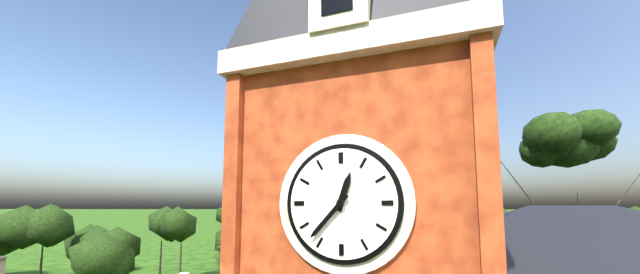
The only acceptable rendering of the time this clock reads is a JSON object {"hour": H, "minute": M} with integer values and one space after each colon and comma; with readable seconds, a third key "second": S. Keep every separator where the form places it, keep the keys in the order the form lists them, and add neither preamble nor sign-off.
{"hour": 12, "minute": 37}
